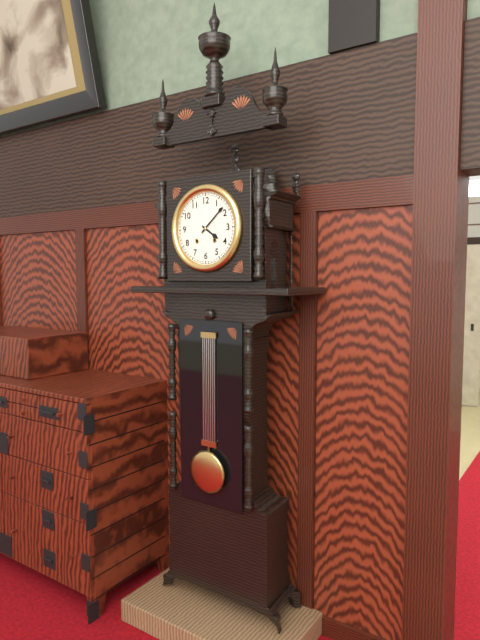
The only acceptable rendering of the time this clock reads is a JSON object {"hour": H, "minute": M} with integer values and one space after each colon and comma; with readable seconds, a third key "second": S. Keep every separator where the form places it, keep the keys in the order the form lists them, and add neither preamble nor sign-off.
{"hour": 4, "minute": 8}
